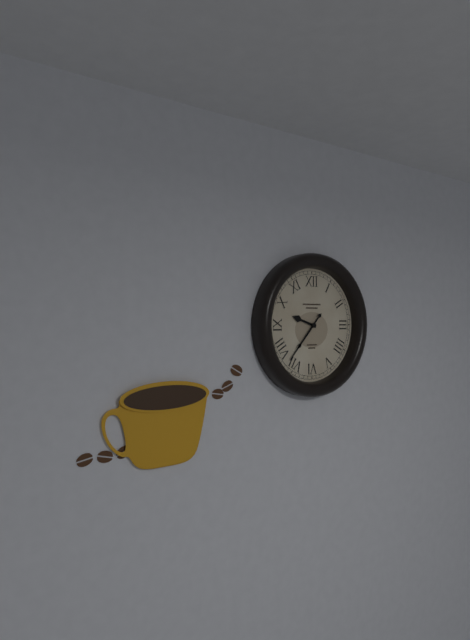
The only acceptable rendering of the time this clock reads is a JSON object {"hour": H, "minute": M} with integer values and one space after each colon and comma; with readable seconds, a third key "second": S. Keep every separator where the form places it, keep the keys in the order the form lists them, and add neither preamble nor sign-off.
{"hour": 9, "minute": 37}
